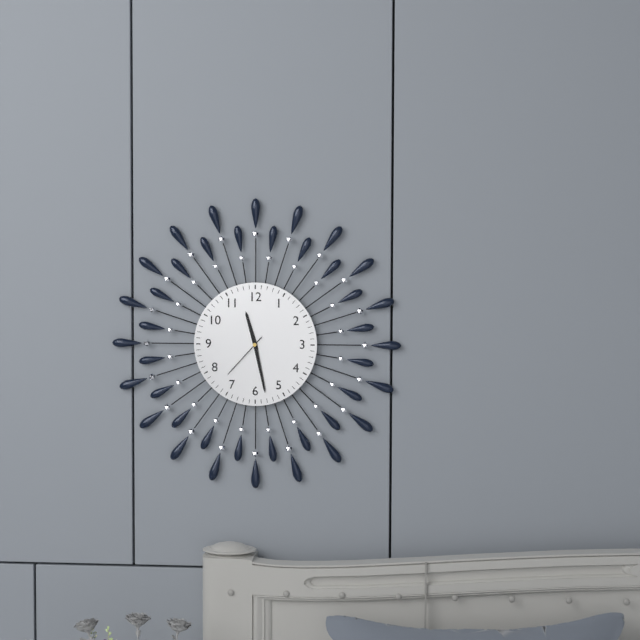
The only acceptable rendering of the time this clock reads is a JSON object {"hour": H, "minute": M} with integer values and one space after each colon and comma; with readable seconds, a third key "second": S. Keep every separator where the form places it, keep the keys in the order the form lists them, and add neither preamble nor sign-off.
{"hour": 11, "minute": 28, "second": 37}
